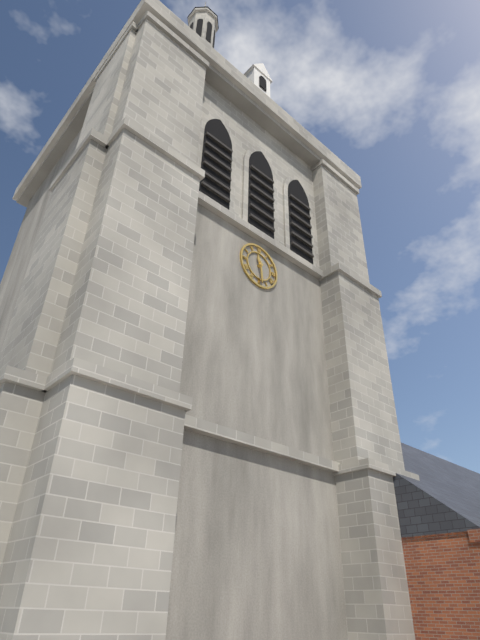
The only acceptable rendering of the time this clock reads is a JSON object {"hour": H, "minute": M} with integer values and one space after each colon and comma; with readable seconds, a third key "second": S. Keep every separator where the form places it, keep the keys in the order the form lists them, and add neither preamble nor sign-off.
{"hour": 11, "minute": 29}
